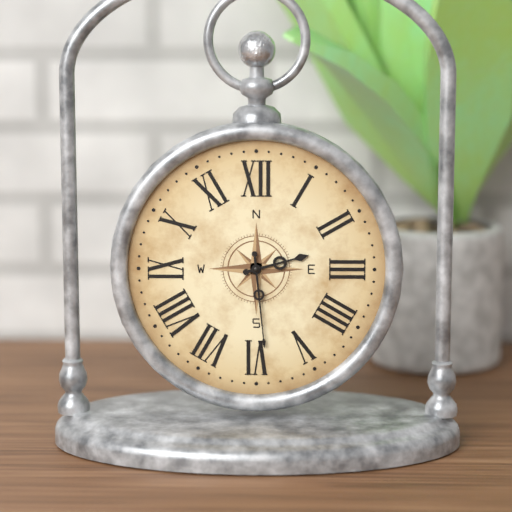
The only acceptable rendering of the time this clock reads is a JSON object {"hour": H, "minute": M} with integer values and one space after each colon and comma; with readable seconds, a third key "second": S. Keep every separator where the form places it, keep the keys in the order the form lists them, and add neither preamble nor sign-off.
{"hour": 2, "minute": 29}
